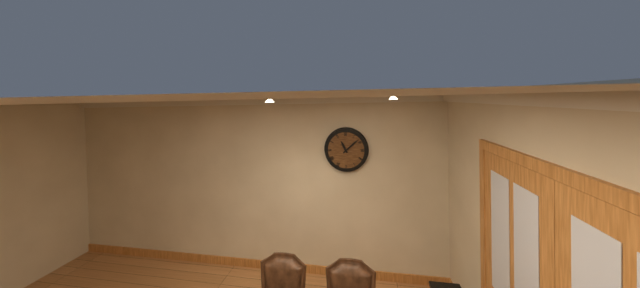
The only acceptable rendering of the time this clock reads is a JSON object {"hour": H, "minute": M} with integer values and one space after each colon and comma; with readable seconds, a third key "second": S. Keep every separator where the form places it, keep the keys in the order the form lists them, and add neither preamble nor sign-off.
{"hour": 11, "minute": 8}
